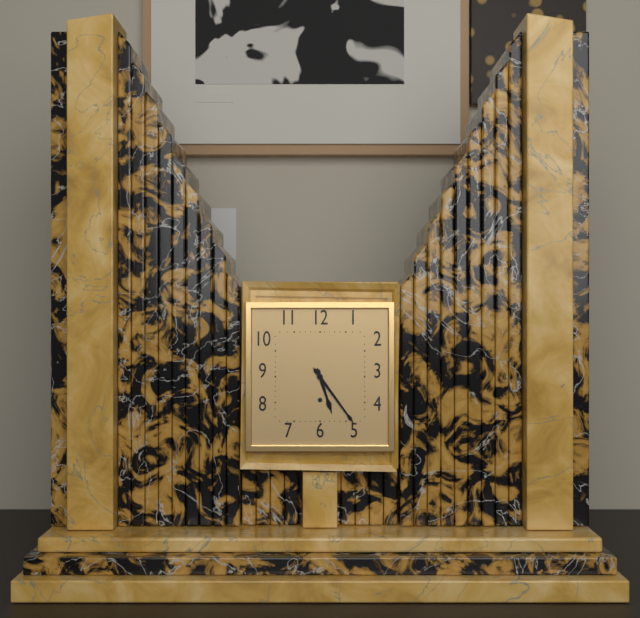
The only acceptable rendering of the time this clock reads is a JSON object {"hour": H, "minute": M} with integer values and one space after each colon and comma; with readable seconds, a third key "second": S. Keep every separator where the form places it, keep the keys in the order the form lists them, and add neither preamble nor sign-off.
{"hour": 5, "minute": 24}
